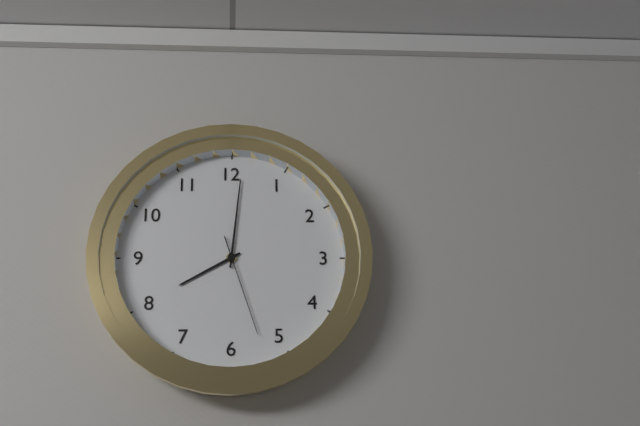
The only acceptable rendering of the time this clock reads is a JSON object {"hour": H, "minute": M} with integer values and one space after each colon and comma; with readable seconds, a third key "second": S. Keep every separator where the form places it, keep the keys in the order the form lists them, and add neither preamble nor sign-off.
{"hour": 8, "minute": 1, "second": 27}
